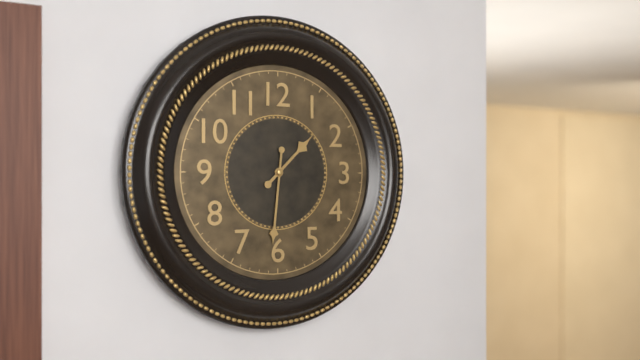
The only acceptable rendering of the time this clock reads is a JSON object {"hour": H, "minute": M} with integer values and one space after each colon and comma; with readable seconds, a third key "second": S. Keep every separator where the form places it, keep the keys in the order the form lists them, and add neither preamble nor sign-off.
{"hour": 1, "minute": 31}
